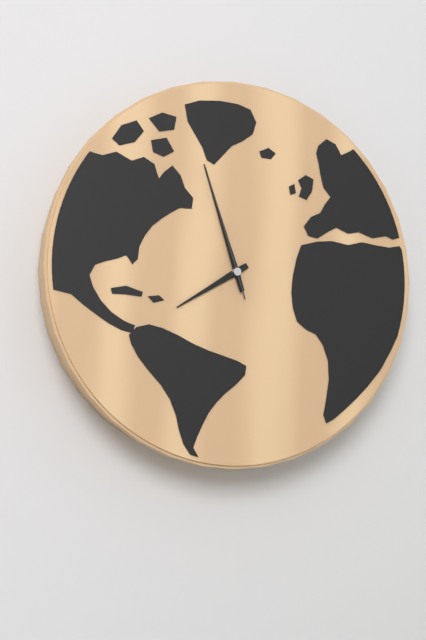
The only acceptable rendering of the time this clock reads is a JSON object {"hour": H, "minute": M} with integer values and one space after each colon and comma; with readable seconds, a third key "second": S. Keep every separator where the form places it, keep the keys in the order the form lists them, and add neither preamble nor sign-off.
{"hour": 7, "minute": 57, "second": 57}
